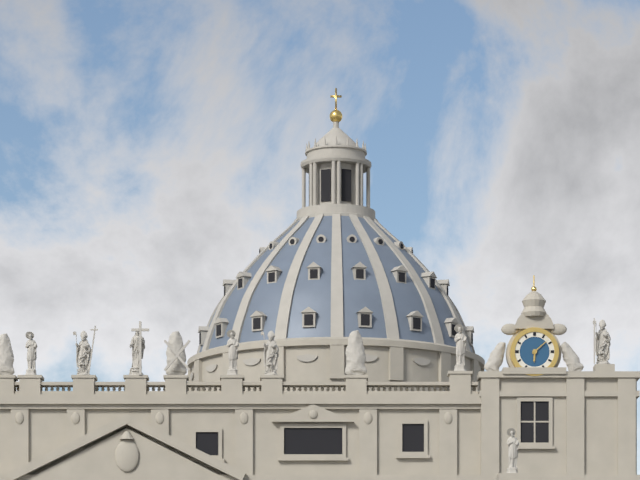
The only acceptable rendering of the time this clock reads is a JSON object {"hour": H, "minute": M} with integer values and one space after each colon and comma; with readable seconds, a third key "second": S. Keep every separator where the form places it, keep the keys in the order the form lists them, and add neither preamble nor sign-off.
{"hour": 6, "minute": 8}
